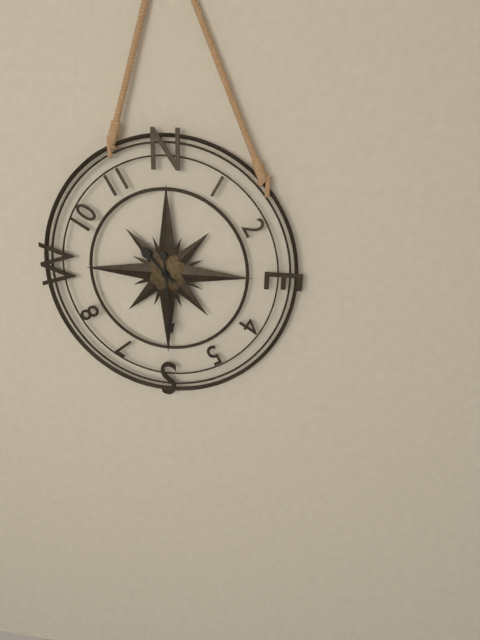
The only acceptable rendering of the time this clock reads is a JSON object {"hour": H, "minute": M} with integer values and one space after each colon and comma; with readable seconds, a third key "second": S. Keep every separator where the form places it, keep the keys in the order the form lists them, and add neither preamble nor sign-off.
{"hour": 10, "minute": 29}
